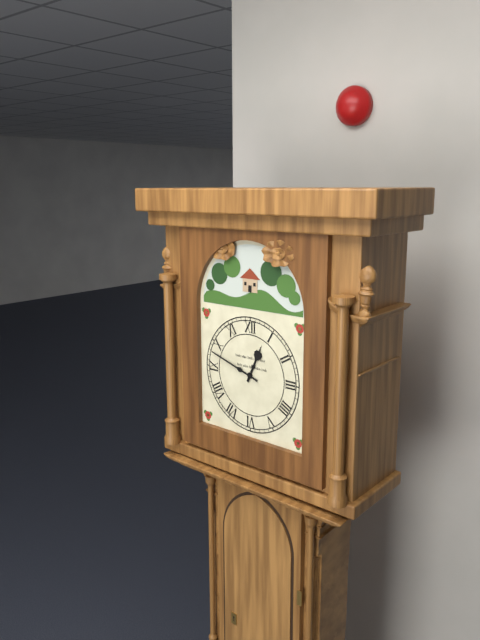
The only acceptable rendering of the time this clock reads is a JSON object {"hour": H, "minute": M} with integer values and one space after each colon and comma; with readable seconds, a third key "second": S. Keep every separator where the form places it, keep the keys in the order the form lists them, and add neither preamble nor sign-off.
{"hour": 12, "minute": 48}
